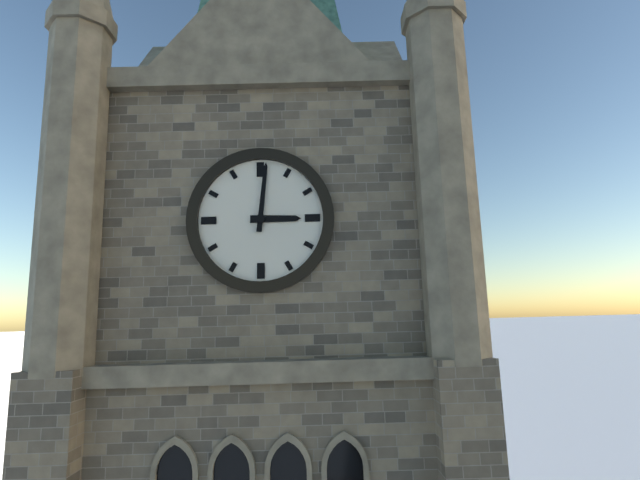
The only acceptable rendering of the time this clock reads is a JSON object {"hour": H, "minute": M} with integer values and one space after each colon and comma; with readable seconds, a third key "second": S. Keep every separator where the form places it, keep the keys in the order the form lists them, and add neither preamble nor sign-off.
{"hour": 3, "minute": 1}
